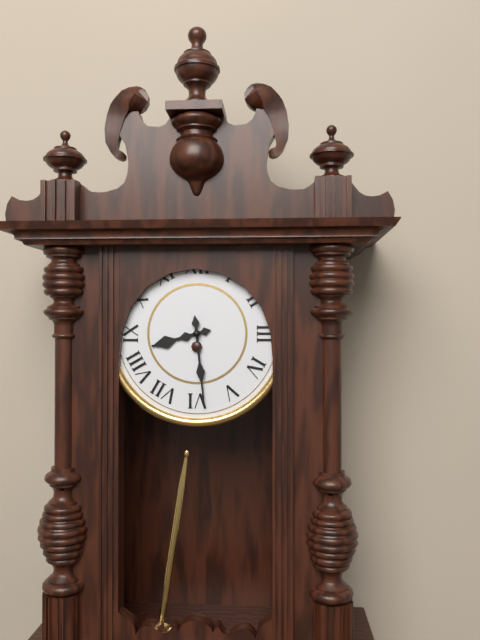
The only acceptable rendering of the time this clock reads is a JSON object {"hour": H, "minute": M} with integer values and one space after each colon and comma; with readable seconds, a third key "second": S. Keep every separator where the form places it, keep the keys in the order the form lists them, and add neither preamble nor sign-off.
{"hour": 8, "minute": 29}
